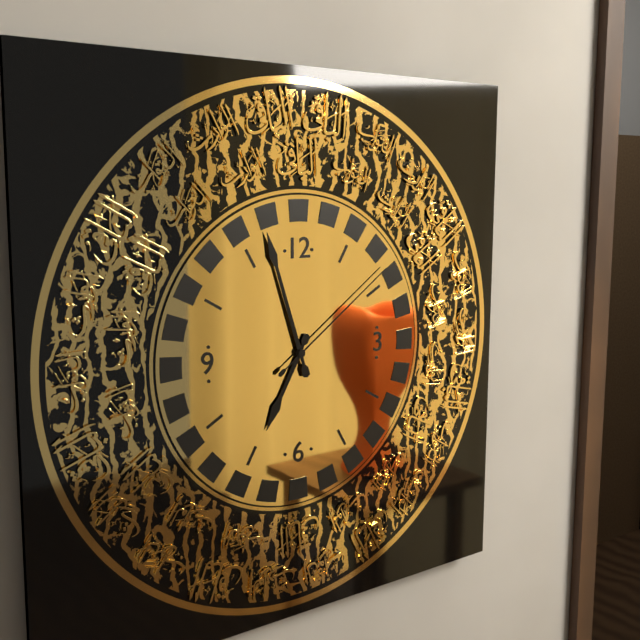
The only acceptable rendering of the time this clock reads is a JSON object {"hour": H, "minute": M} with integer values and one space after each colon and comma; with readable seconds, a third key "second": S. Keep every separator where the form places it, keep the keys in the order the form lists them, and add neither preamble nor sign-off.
{"hour": 6, "minute": 57, "second": 9}
